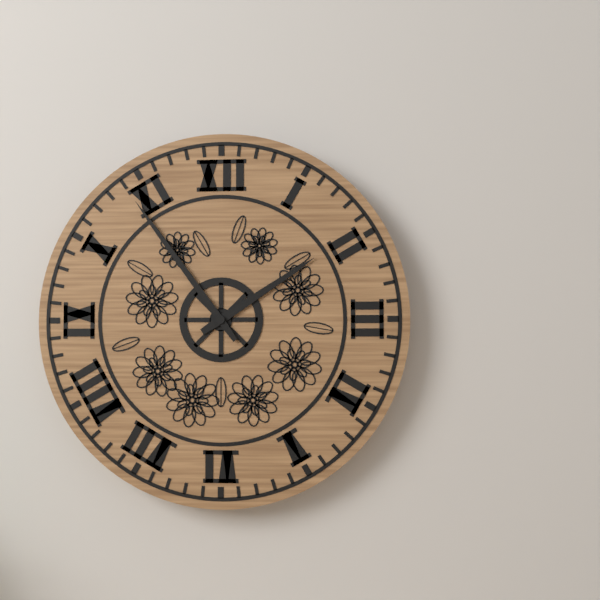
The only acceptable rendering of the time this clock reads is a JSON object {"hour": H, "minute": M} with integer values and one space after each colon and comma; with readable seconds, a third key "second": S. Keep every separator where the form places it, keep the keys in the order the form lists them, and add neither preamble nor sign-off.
{"hour": 1, "minute": 54}
